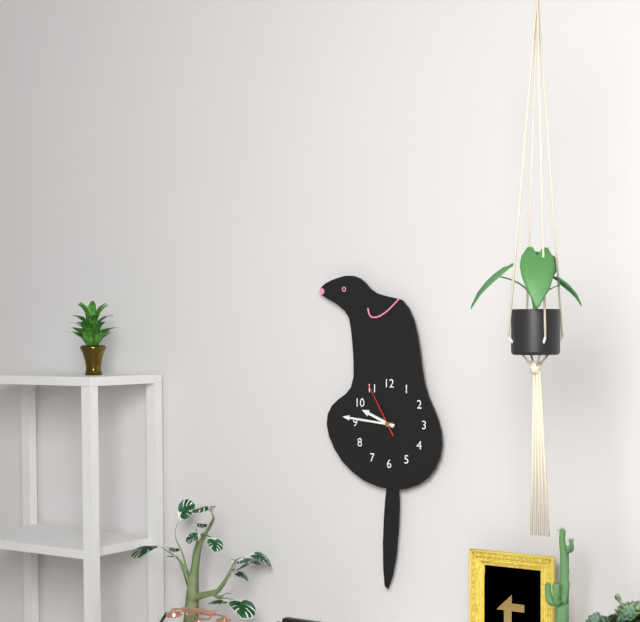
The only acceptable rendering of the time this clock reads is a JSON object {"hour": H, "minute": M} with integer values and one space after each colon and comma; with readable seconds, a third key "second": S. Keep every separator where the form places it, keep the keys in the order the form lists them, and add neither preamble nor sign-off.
{"hour": 9, "minute": 46, "second": 55}
